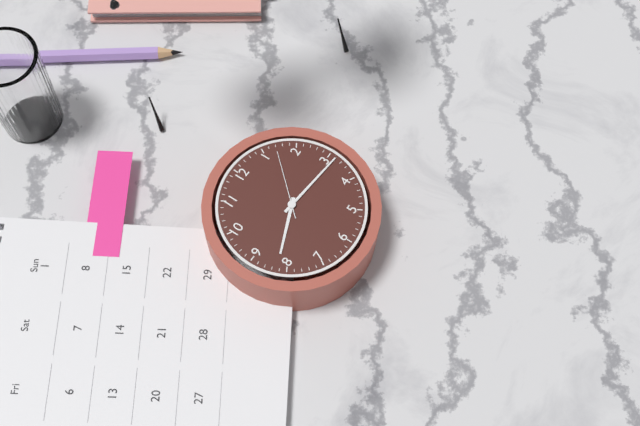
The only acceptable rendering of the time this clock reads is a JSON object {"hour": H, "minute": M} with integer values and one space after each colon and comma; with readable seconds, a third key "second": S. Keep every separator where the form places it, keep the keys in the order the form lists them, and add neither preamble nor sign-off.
{"hour": 8, "minute": 16, "second": 7}
